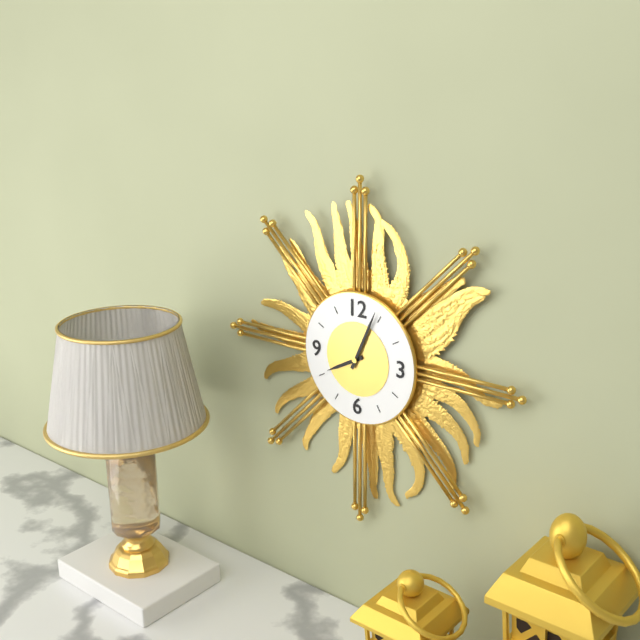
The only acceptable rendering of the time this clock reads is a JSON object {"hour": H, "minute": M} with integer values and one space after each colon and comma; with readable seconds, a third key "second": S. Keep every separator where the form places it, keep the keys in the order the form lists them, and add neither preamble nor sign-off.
{"hour": 8, "minute": 4}
